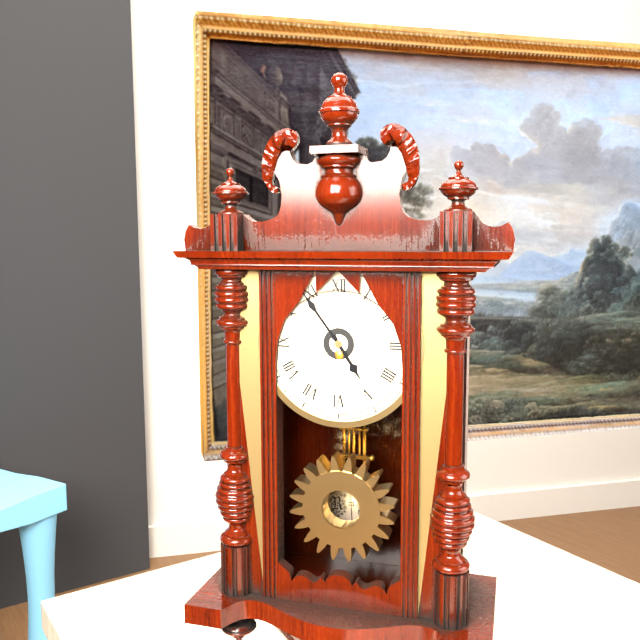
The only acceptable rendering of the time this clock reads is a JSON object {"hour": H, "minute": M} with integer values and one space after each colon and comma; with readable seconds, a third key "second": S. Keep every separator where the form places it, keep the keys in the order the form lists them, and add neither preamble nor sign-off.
{"hour": 4, "minute": 54}
